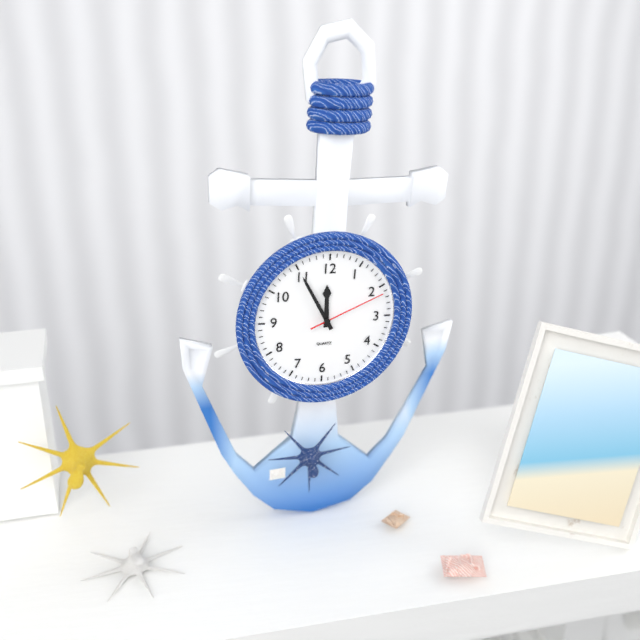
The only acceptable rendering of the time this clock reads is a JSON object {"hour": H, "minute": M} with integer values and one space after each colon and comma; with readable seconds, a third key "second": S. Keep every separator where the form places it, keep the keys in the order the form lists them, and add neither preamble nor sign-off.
{"hour": 11, "minute": 55, "second": 11}
